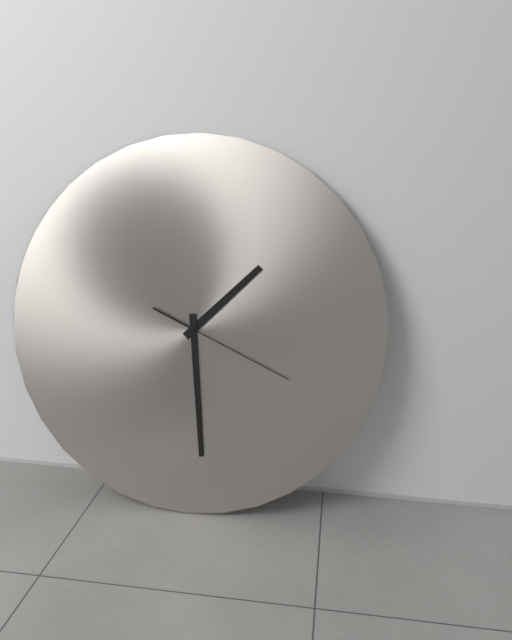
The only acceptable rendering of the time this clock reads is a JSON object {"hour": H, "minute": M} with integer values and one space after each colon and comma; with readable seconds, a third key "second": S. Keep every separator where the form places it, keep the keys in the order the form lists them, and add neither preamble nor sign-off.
{"hour": 1, "minute": 29, "second": 19}
